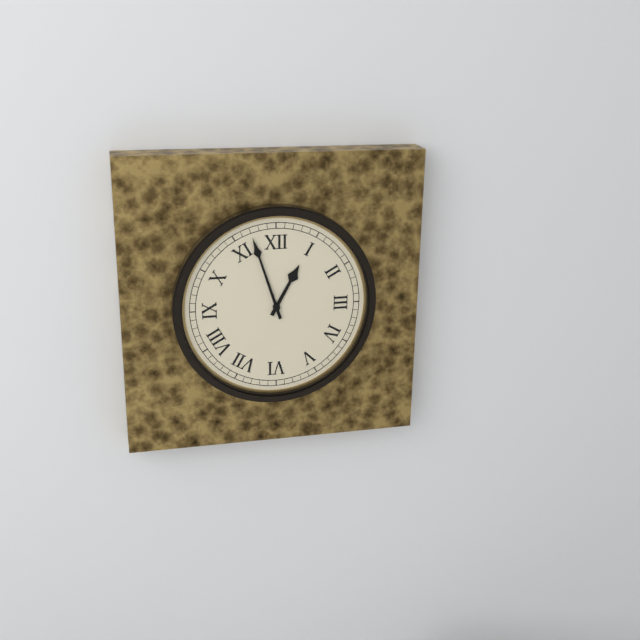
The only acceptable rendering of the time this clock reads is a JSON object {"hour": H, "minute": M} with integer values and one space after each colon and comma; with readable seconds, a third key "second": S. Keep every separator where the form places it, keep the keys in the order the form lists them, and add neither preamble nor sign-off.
{"hour": 12, "minute": 57}
